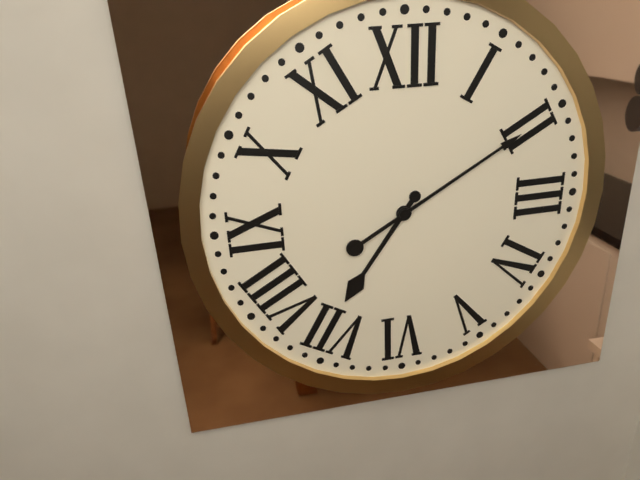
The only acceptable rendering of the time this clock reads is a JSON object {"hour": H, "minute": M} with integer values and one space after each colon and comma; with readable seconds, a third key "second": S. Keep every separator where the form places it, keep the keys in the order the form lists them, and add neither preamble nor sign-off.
{"hour": 7, "minute": 10}
